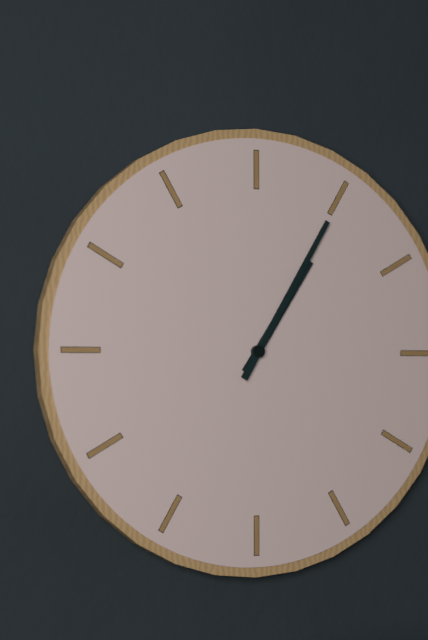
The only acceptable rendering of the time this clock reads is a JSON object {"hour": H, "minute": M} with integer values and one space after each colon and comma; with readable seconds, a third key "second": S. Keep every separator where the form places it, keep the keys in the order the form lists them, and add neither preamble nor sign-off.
{"hour": 1, "minute": 5}
